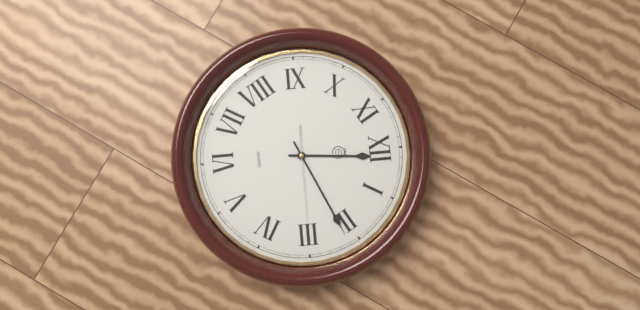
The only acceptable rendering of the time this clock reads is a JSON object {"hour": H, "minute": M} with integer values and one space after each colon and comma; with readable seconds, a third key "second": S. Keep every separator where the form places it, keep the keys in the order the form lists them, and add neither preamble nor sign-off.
{"hour": 12, "minute": 11, "second": 15}
